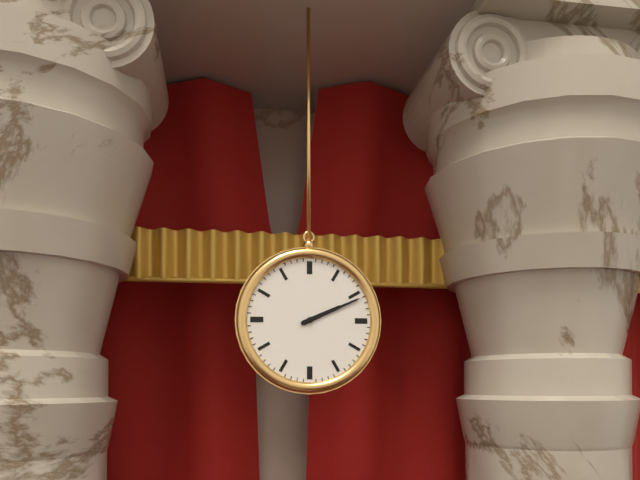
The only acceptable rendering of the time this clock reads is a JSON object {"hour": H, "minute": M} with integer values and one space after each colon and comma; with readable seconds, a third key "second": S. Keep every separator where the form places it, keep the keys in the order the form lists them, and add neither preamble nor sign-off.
{"hour": 2, "minute": 11}
